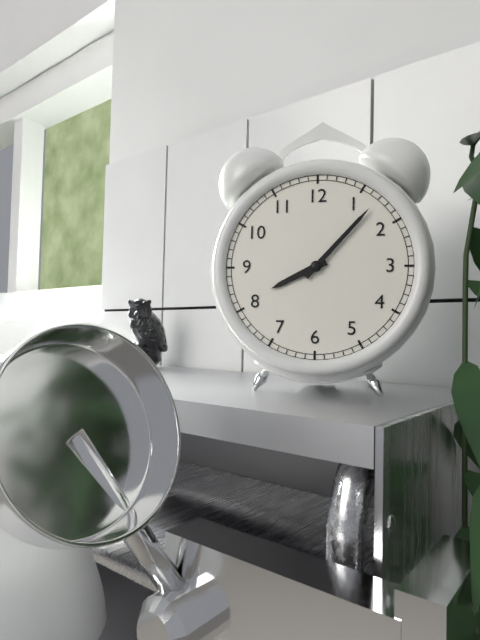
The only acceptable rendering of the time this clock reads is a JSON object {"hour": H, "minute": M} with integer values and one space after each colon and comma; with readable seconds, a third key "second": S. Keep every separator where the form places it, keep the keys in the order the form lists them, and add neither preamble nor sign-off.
{"hour": 8, "minute": 7}
